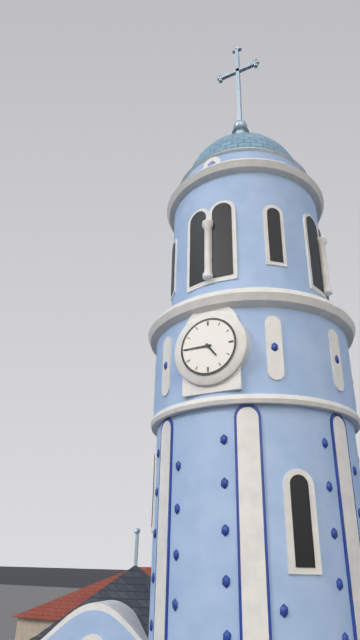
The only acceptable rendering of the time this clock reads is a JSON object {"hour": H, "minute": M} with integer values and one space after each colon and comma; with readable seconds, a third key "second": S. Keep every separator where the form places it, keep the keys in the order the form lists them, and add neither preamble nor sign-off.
{"hour": 4, "minute": 45}
